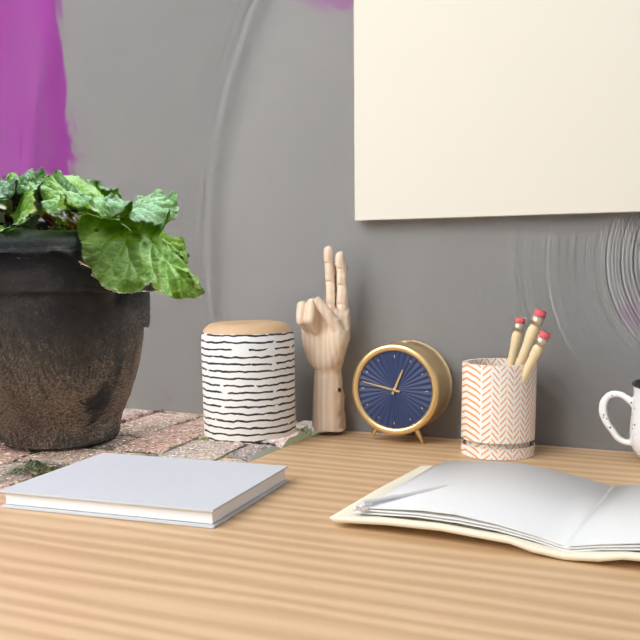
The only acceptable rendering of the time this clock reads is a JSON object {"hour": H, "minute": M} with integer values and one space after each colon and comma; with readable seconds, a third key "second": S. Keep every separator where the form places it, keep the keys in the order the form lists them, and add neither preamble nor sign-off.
{"hour": 12, "minute": 47}
